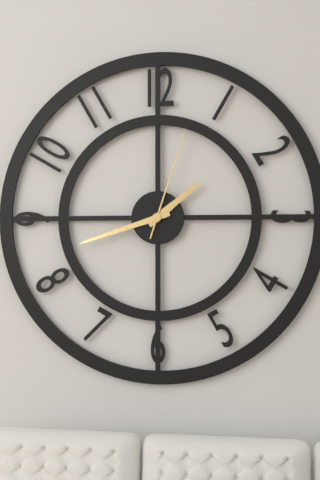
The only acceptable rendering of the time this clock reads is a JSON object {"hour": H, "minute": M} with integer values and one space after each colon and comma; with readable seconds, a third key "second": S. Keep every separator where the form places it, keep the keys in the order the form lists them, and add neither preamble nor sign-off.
{"hour": 1, "minute": 42, "second": 3}
